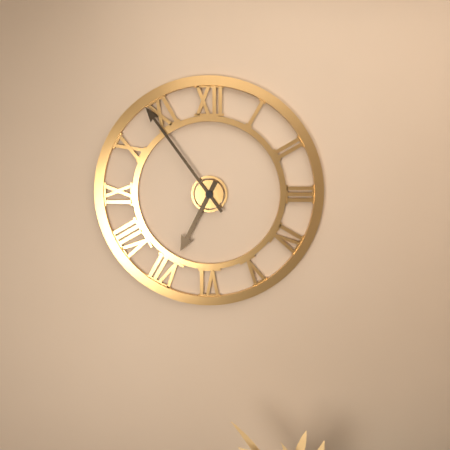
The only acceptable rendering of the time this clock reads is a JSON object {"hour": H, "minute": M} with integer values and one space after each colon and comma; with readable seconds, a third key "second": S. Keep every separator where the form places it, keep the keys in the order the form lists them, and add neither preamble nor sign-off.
{"hour": 6, "minute": 54}
